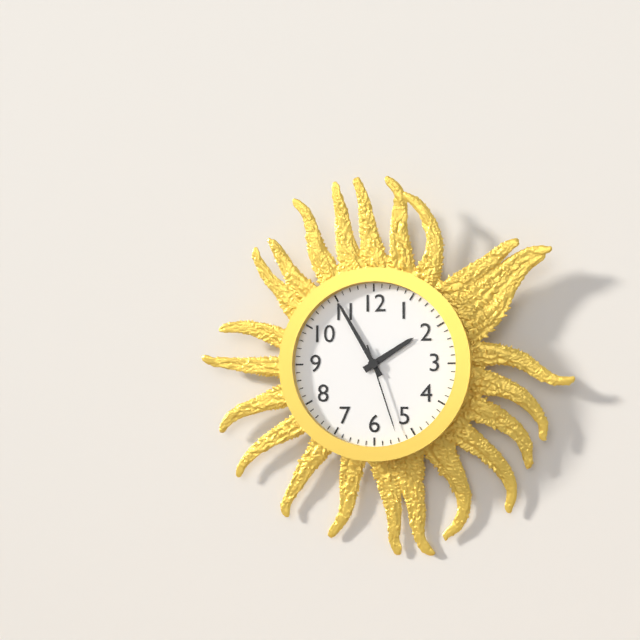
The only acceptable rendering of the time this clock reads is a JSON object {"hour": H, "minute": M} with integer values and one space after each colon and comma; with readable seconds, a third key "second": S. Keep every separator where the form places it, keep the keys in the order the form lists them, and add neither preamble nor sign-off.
{"hour": 1, "minute": 55, "second": 27}
